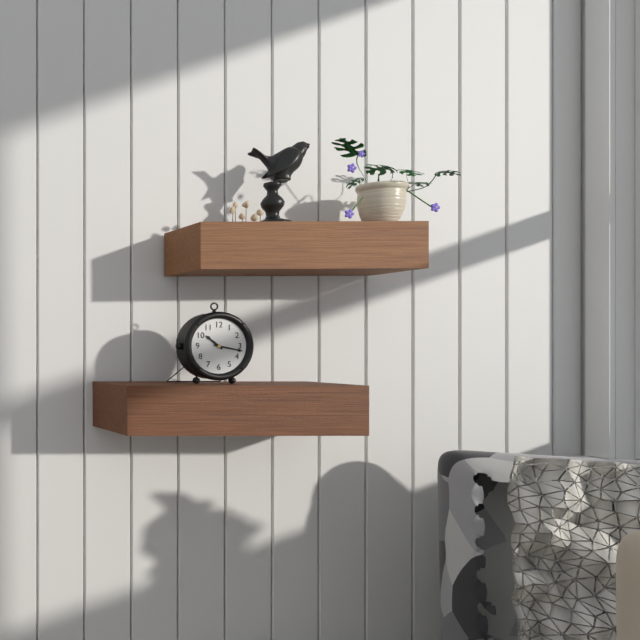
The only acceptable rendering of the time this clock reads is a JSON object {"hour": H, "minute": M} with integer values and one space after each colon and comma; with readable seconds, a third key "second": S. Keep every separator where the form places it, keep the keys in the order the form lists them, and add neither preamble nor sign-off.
{"hour": 10, "minute": 17}
